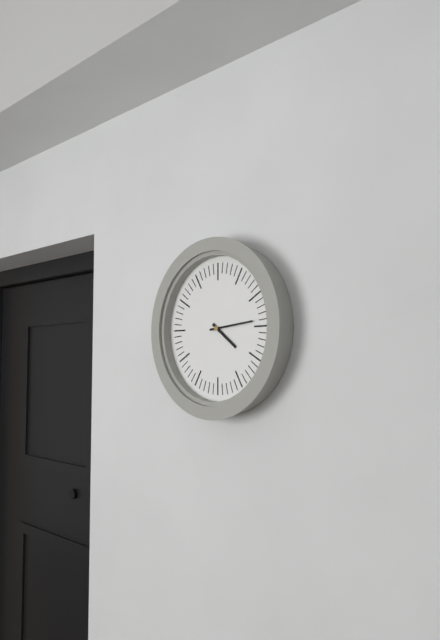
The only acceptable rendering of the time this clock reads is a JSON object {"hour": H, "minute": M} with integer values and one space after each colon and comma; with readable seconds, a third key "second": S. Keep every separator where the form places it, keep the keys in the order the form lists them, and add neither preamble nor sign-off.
{"hour": 4, "minute": 14}
